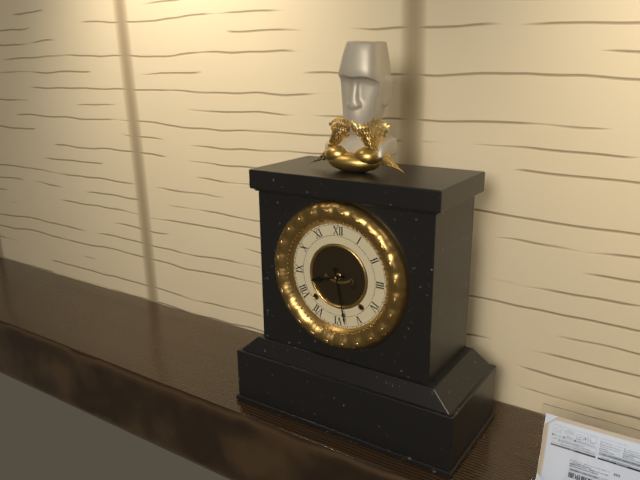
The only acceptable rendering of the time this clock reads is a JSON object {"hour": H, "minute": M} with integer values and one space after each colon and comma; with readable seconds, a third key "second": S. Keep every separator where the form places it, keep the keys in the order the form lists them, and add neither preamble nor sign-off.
{"hour": 8, "minute": 28}
